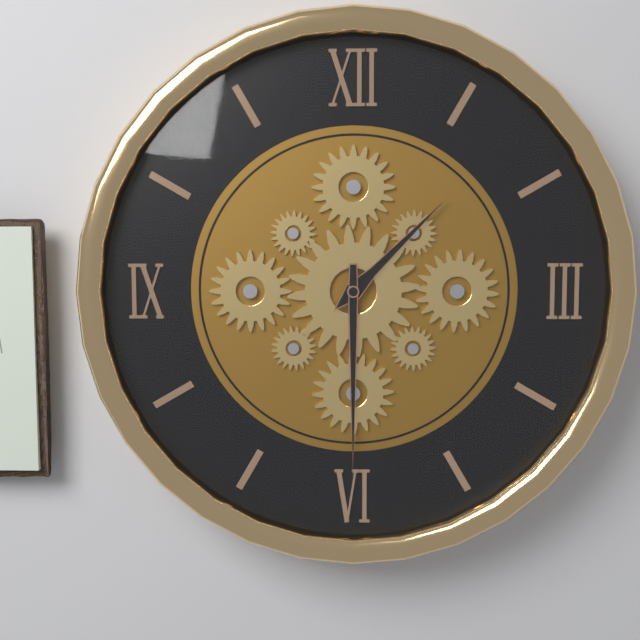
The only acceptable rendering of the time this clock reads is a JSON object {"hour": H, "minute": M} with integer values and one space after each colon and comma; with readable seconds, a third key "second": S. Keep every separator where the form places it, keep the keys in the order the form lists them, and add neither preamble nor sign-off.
{"hour": 1, "minute": 30}
